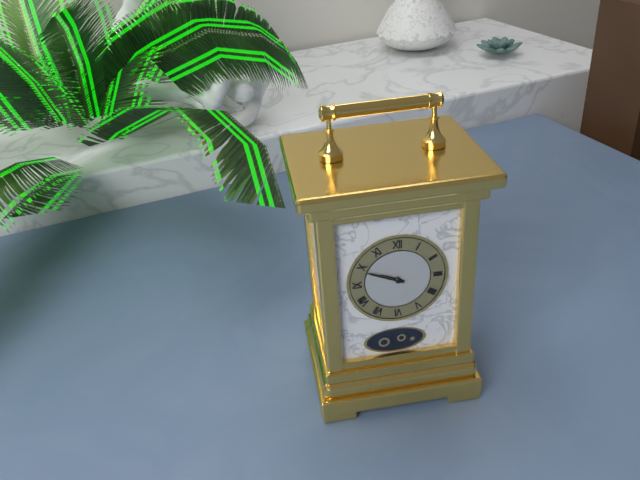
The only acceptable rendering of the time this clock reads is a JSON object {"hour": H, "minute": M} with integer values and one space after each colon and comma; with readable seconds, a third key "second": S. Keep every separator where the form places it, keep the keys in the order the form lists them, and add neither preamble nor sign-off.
{"hour": 9, "minute": 49}
